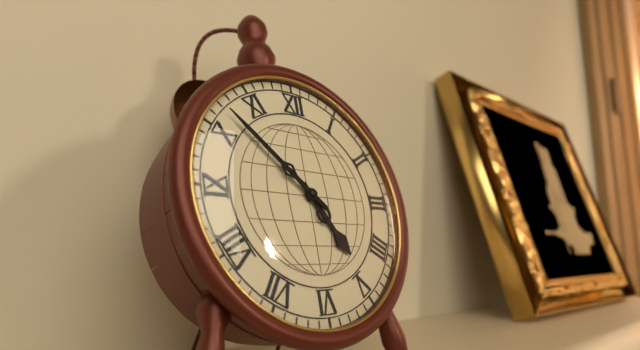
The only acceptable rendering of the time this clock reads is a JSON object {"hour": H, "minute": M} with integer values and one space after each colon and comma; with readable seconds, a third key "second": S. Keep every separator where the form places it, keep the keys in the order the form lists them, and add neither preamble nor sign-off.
{"hour": 4, "minute": 52}
